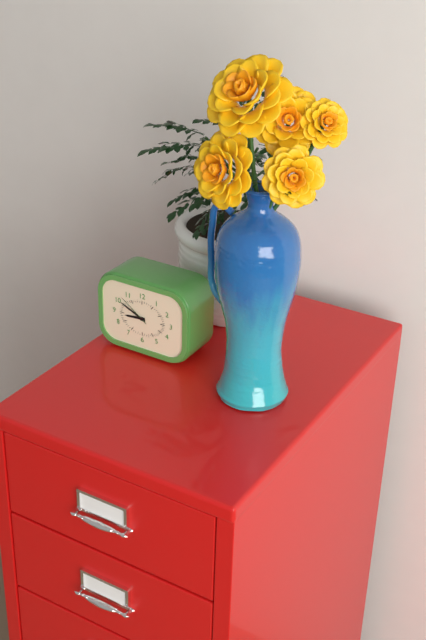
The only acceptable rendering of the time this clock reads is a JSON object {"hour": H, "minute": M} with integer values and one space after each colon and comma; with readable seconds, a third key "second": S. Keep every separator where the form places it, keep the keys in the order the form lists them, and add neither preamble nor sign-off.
{"hour": 8, "minute": 49}
